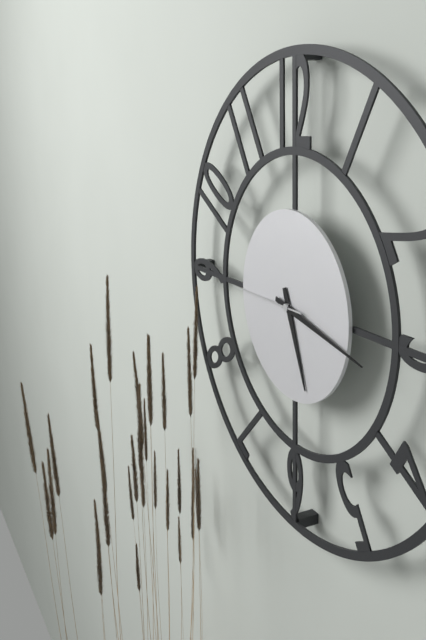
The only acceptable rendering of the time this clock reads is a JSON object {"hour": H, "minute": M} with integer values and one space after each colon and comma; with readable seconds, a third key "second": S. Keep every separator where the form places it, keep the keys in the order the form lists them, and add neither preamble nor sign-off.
{"hour": 5, "minute": 17, "second": 45}
